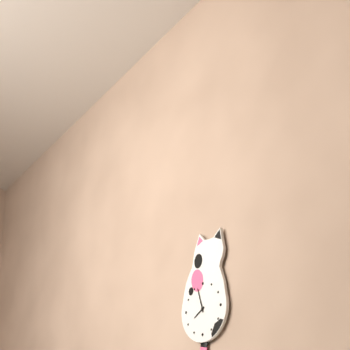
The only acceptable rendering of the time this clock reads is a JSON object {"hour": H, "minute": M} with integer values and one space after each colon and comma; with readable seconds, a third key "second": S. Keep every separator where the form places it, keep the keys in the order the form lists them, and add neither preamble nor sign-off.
{"hour": 7, "minute": 57}
